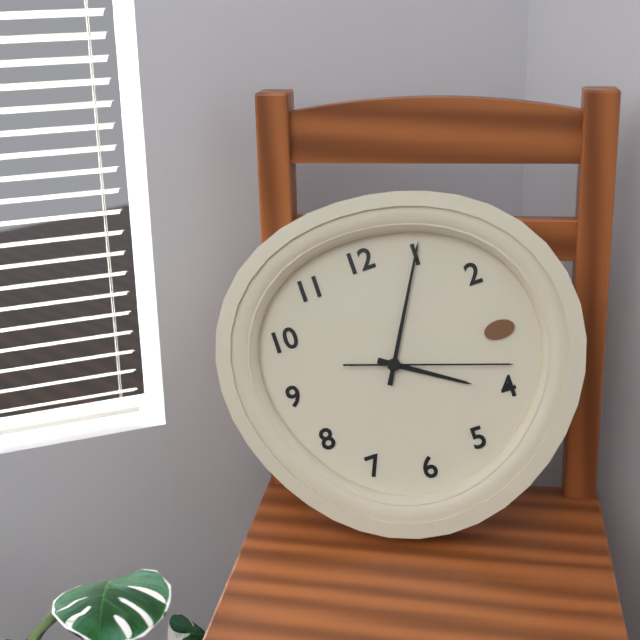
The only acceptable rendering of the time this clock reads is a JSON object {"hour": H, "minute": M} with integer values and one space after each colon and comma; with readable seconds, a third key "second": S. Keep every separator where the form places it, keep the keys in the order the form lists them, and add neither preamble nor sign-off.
{"hour": 4, "minute": 5, "second": 18}
